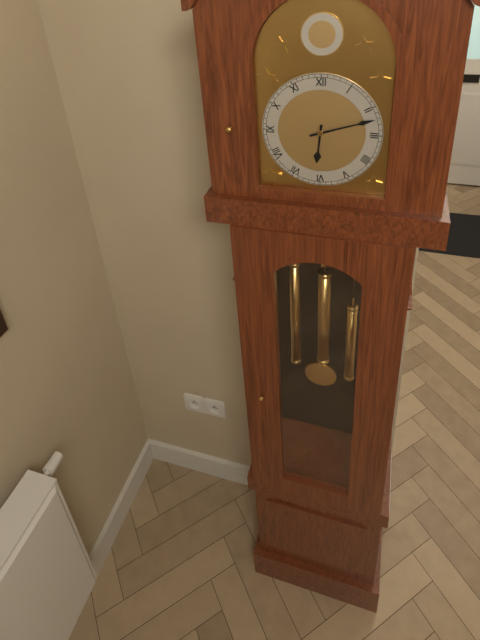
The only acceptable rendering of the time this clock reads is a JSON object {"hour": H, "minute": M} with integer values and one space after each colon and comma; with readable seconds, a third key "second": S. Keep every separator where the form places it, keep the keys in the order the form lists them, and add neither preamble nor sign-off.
{"hour": 6, "minute": 12}
